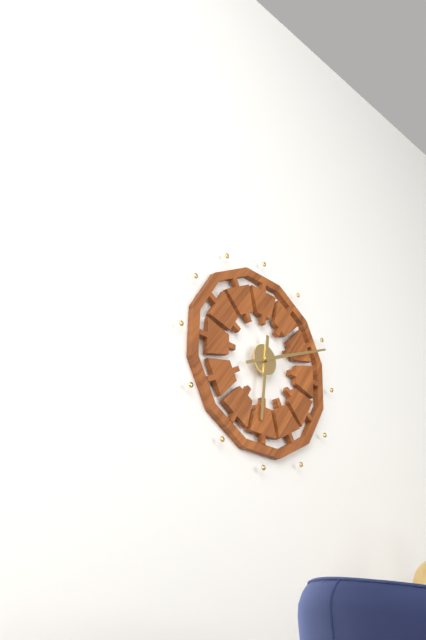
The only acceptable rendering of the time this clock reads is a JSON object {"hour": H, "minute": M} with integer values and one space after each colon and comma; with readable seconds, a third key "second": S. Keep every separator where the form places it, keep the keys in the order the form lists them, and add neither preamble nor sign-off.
{"hour": 6, "minute": 11}
